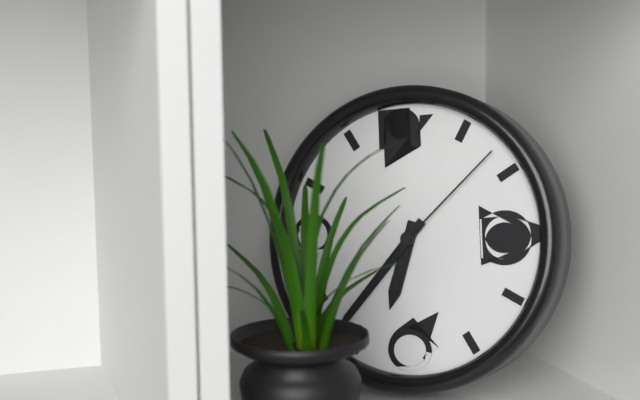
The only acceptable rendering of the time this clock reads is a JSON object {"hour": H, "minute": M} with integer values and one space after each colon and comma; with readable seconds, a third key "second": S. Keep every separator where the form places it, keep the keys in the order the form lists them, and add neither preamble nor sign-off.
{"hour": 6, "minute": 37, "second": 8}
